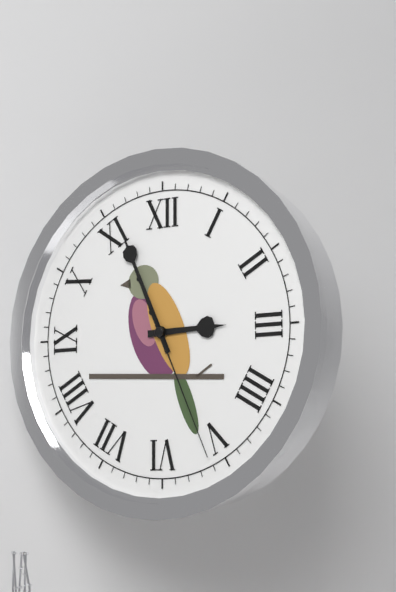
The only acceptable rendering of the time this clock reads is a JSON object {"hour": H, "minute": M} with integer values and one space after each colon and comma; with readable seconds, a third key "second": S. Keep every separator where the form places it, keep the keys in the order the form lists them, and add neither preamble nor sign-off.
{"hour": 2, "minute": 56, "second": 26}
